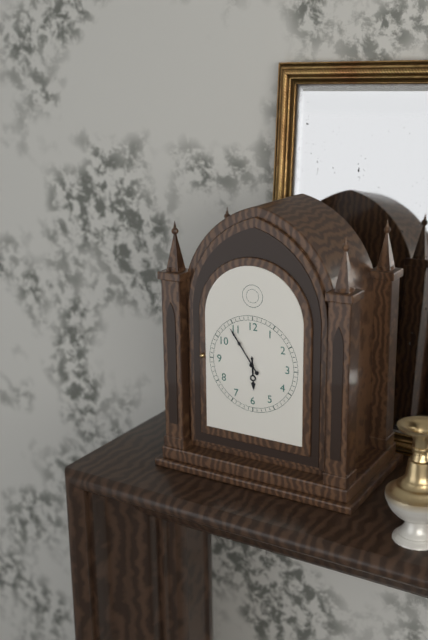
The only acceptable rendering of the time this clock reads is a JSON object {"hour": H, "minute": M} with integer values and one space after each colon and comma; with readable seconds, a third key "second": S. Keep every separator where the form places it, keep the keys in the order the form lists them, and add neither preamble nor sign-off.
{"hour": 5, "minute": 54}
